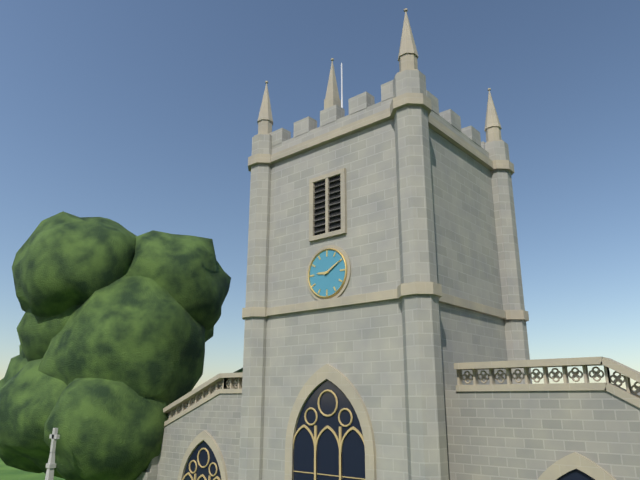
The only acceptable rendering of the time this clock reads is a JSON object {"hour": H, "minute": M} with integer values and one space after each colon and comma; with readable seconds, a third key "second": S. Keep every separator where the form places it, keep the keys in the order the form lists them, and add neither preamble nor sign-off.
{"hour": 9, "minute": 10}
